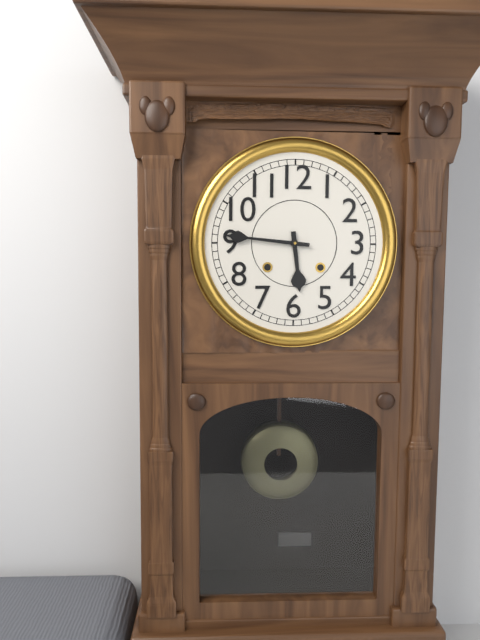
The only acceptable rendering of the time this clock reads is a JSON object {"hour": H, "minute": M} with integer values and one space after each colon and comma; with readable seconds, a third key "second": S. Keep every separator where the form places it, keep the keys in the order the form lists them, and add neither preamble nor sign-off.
{"hour": 5, "minute": 46}
